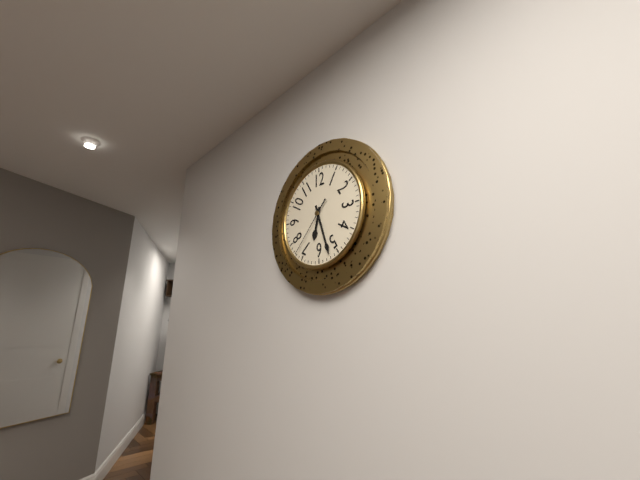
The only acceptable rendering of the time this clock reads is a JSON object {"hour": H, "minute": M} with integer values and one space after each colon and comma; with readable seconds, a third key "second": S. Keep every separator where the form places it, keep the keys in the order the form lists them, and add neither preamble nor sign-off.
{"hour": 6, "minute": 27, "second": 37}
